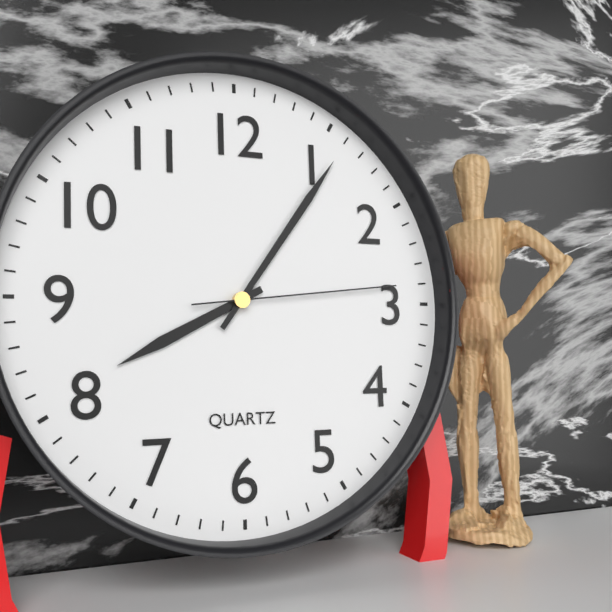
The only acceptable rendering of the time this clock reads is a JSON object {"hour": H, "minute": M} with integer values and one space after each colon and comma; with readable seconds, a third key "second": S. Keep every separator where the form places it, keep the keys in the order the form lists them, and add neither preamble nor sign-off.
{"hour": 8, "minute": 6, "second": 14}
